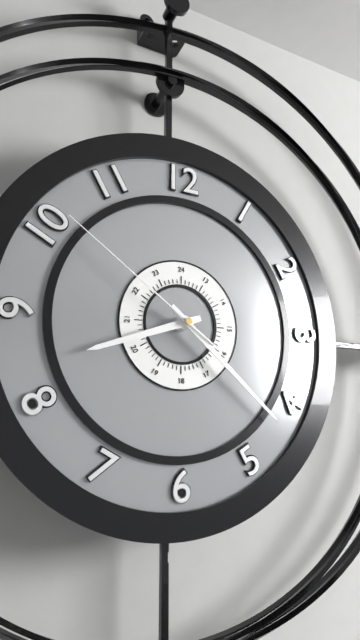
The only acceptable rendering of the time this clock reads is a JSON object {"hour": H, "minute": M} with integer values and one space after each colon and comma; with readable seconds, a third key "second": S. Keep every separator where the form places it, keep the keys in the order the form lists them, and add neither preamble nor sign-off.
{"hour": 8, "minute": 22, "second": 51}
